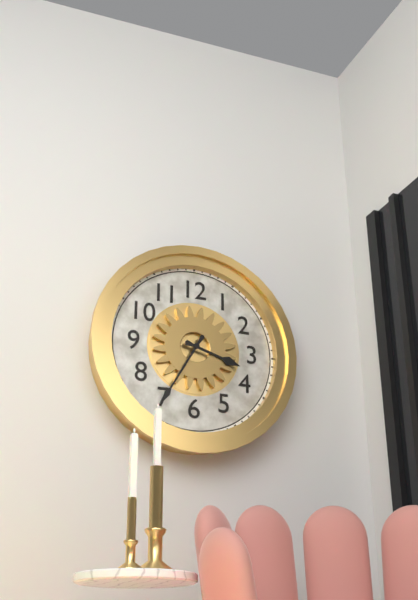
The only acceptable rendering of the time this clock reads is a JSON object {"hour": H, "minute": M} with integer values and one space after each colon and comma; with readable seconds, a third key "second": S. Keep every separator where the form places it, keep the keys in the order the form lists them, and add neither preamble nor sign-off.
{"hour": 3, "minute": 35}
